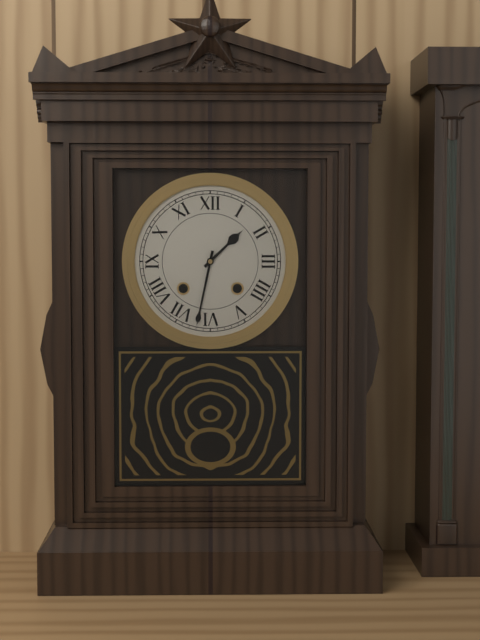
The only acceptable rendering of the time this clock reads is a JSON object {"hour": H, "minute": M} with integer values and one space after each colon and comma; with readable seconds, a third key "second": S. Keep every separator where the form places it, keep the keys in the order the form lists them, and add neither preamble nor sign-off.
{"hour": 1, "minute": 32}
